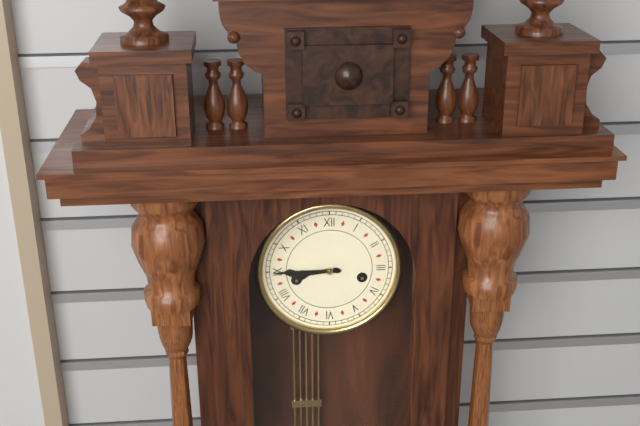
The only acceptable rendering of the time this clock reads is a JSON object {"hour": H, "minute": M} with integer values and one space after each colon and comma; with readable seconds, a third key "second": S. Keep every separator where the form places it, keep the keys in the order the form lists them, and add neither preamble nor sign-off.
{"hour": 8, "minute": 45}
